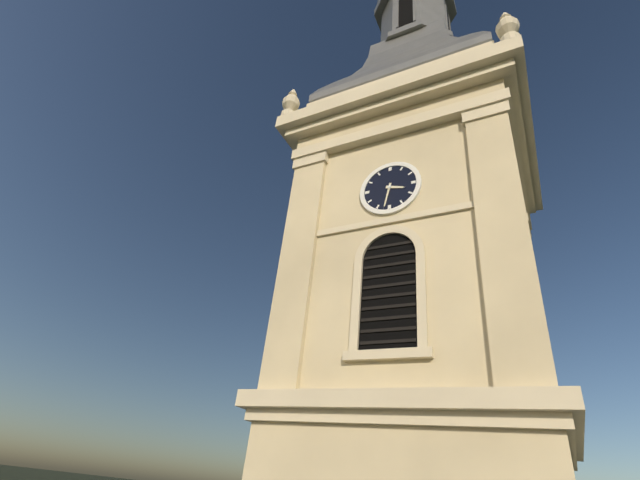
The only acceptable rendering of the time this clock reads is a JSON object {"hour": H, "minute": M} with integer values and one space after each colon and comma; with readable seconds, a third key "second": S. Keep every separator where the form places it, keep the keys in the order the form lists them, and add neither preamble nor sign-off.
{"hour": 3, "minute": 32}
